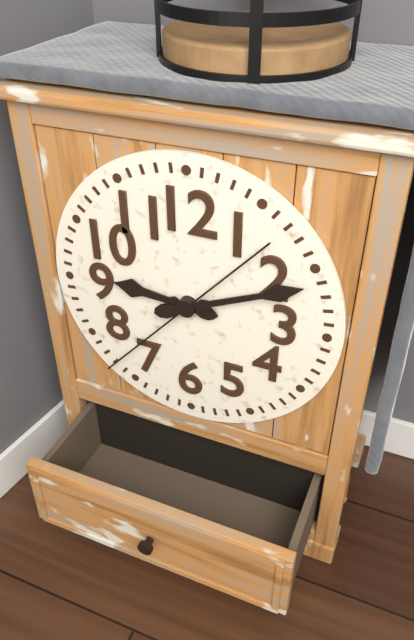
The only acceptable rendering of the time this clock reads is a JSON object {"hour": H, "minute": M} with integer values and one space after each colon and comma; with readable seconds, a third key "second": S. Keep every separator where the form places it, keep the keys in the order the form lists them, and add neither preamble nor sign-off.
{"hour": 9, "minute": 11, "second": 37}
